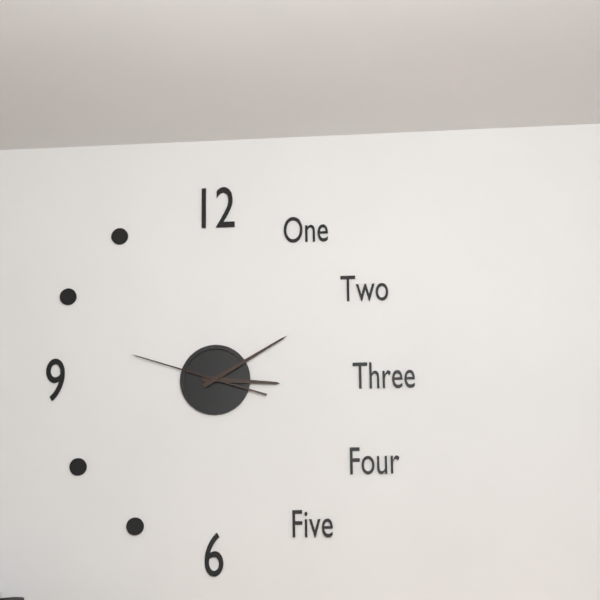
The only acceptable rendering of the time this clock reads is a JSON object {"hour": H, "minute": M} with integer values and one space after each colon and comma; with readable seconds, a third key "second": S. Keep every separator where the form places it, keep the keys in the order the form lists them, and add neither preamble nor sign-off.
{"hour": 3, "minute": 10, "second": 48}
